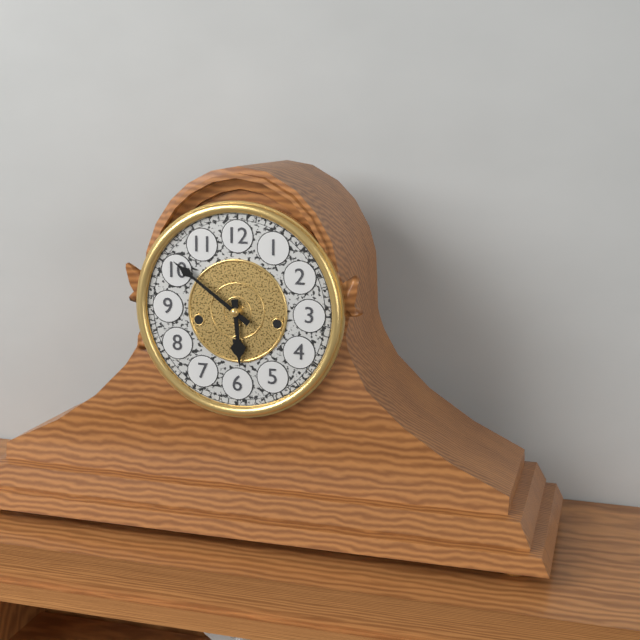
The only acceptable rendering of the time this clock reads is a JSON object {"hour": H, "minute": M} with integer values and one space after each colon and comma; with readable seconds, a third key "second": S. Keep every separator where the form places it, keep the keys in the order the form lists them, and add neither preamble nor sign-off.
{"hour": 5, "minute": 51}
